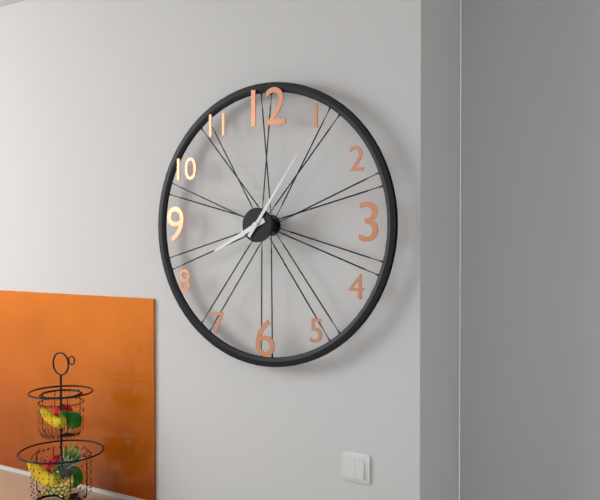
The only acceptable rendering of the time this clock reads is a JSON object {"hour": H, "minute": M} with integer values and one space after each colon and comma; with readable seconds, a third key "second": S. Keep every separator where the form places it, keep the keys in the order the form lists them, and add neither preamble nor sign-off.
{"hour": 8, "minute": 6}
